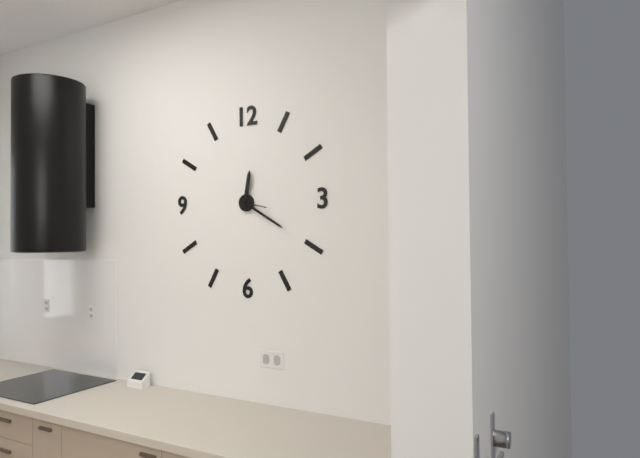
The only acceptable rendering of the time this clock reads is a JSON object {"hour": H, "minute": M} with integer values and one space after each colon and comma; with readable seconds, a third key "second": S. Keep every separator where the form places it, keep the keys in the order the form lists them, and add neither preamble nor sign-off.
{"hour": 12, "minute": 20}
